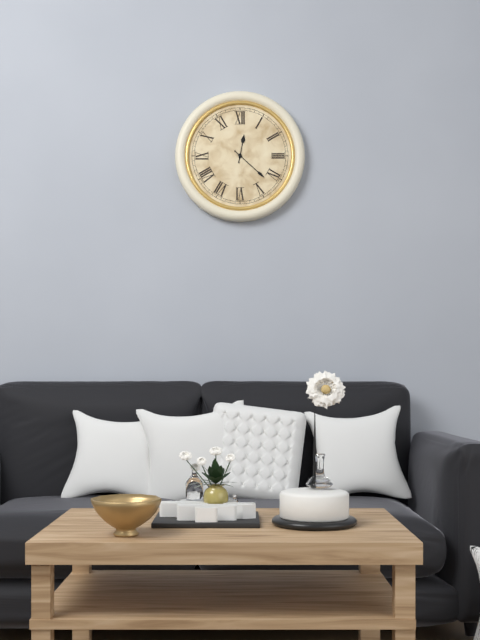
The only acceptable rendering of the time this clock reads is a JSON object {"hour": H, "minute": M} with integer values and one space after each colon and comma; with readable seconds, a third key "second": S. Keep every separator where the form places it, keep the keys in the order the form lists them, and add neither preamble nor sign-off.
{"hour": 12, "minute": 22}
